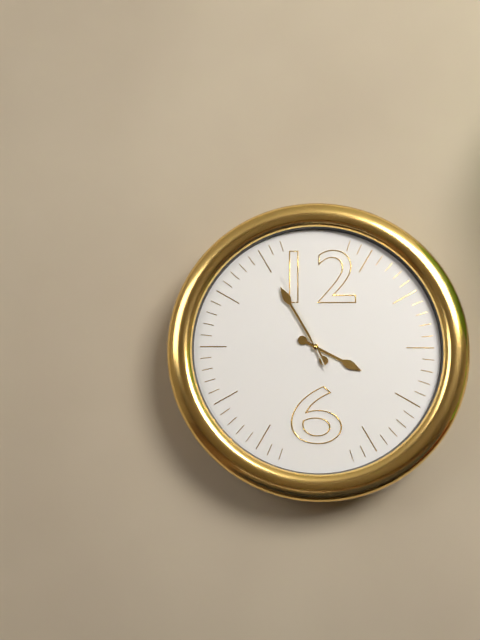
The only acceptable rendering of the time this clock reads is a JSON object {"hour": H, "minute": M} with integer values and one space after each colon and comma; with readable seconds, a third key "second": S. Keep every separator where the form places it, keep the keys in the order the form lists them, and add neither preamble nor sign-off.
{"hour": 3, "minute": 55, "second": 56}
